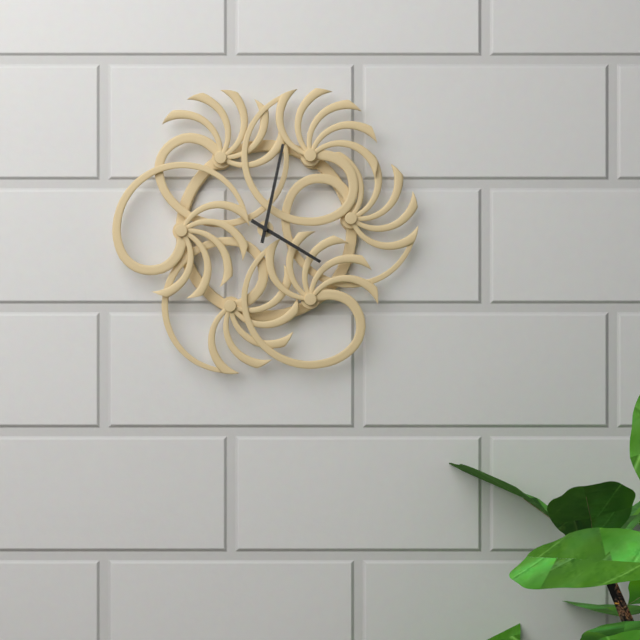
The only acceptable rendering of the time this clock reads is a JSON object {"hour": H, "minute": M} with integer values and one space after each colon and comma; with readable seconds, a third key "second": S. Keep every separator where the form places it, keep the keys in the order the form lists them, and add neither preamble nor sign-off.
{"hour": 4, "minute": 2}
